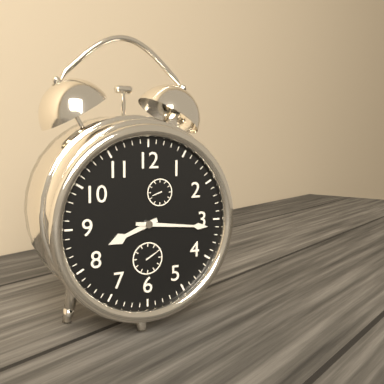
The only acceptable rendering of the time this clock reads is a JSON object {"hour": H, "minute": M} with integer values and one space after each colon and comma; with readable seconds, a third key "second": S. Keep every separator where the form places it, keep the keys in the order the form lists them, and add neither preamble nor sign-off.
{"hour": 8, "minute": 16}
